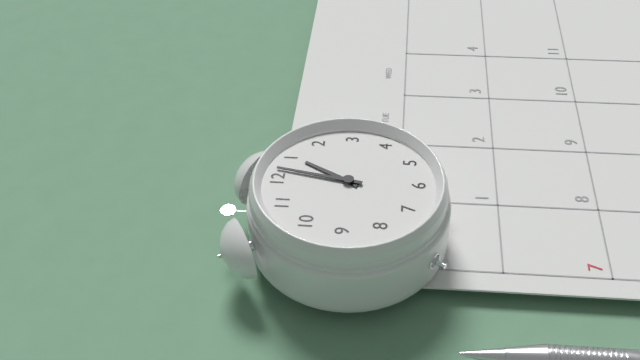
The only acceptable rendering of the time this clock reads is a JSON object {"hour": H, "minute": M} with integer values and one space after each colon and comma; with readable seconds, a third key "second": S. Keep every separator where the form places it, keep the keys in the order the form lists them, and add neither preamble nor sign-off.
{"hour": 1, "minute": 2}
